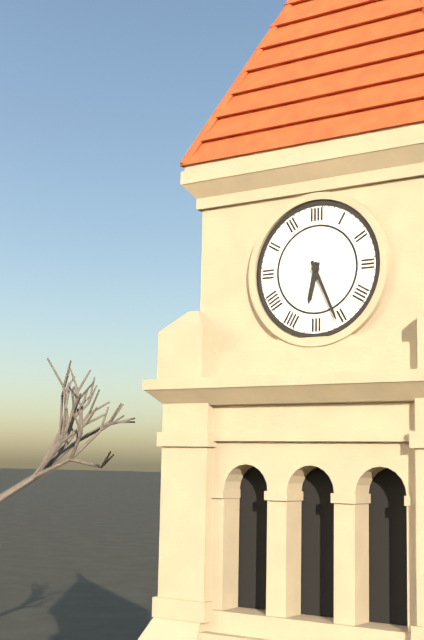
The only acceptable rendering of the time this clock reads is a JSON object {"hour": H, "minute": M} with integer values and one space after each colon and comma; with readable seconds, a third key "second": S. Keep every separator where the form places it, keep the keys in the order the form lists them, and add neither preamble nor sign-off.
{"hour": 6, "minute": 26}
